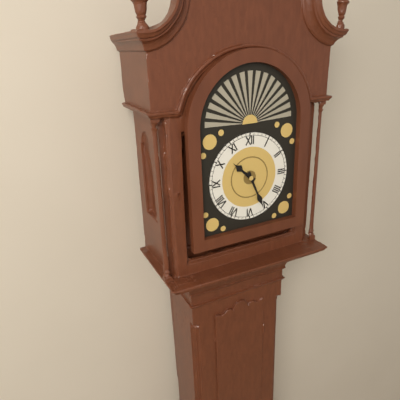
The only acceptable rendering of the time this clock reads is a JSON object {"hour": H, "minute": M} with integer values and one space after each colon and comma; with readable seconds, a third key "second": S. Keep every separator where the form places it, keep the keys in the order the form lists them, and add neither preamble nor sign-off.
{"hour": 10, "minute": 26}
